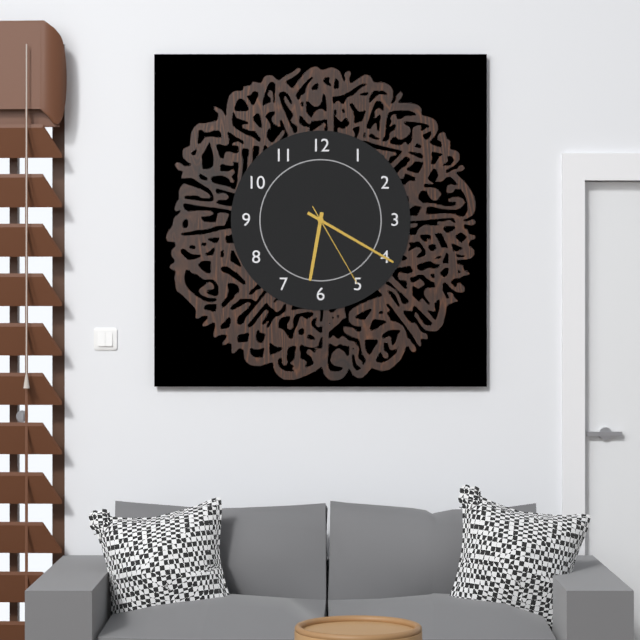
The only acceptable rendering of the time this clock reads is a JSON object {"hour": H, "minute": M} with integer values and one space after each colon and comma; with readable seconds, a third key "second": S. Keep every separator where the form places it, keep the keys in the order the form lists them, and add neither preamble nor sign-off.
{"hour": 6, "minute": 20, "second": 25}
